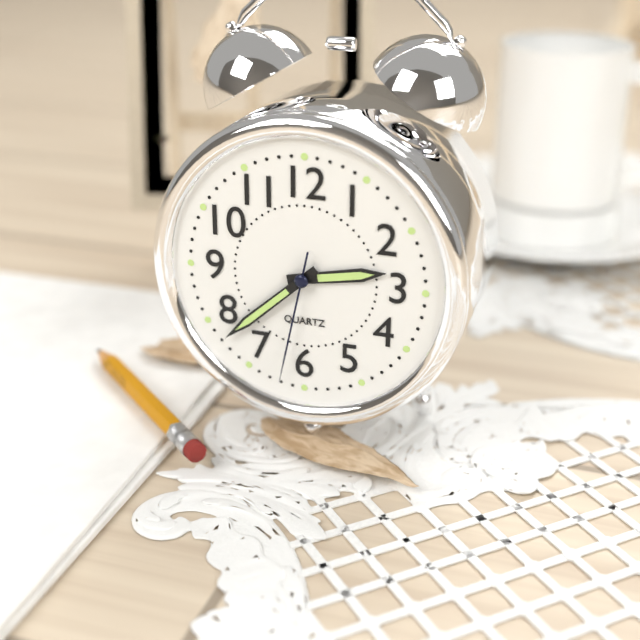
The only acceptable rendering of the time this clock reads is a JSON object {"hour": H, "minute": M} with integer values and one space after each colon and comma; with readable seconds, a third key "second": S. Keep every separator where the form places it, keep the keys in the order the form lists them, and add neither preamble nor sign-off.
{"hour": 2, "minute": 38, "second": 32}
